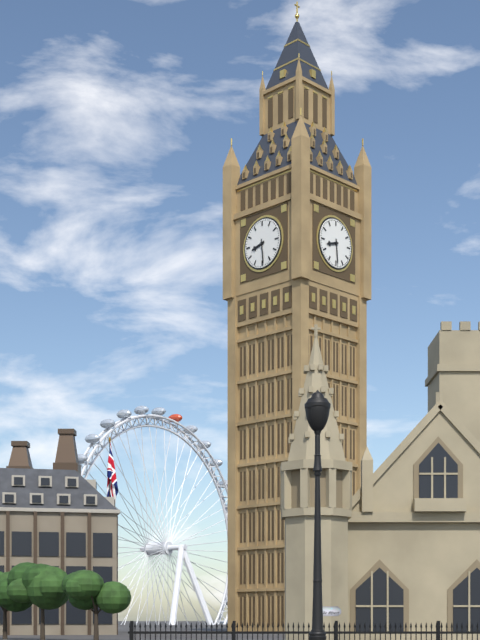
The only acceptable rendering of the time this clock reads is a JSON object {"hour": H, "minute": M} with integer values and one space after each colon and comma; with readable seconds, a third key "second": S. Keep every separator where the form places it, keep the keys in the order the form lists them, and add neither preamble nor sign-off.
{"hour": 8, "minute": 29}
